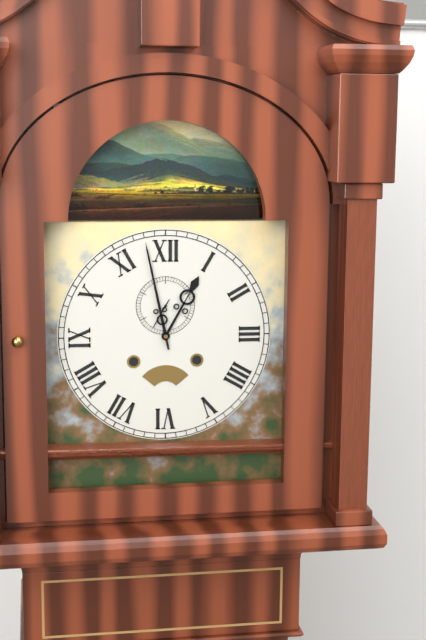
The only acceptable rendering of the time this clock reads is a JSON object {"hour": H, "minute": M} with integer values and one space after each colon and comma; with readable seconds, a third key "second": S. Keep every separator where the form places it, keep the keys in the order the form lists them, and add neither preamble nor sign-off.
{"hour": 12, "minute": 58}
